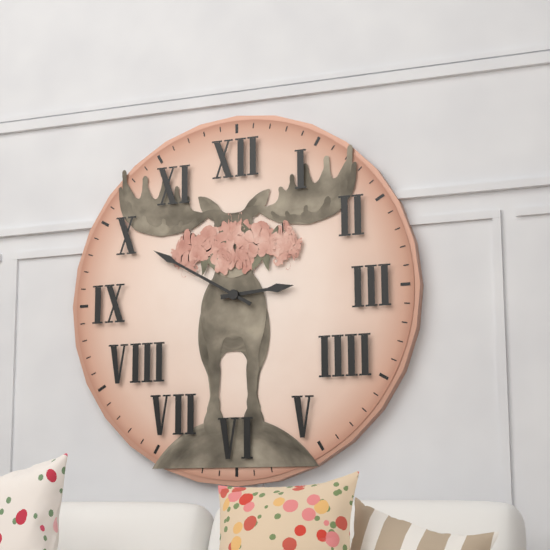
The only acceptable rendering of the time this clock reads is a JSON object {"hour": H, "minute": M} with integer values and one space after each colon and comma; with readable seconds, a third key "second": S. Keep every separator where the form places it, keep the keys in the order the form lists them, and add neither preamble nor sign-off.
{"hour": 2, "minute": 50}
